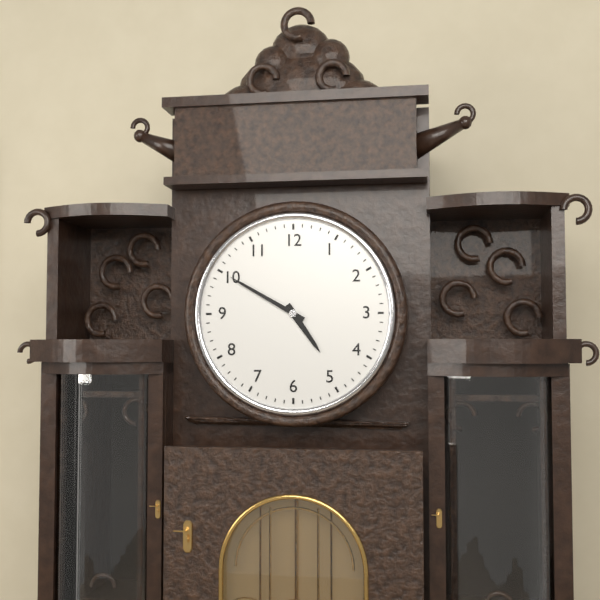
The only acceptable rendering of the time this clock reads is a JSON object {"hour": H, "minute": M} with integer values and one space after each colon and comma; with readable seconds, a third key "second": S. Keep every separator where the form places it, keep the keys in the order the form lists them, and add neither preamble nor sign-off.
{"hour": 4, "minute": 50}
